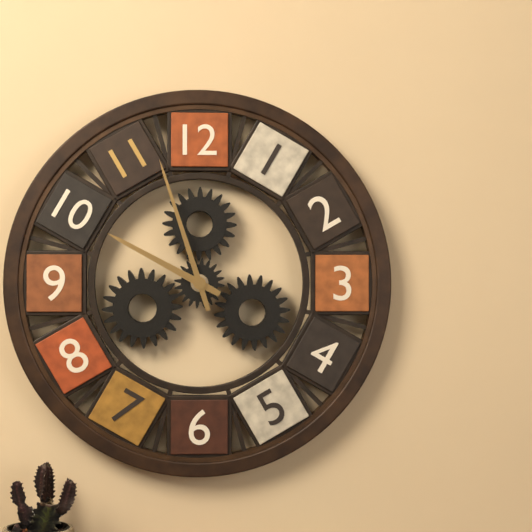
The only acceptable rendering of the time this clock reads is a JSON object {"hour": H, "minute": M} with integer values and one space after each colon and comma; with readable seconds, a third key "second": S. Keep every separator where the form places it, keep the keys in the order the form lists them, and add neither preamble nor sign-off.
{"hour": 9, "minute": 57}
